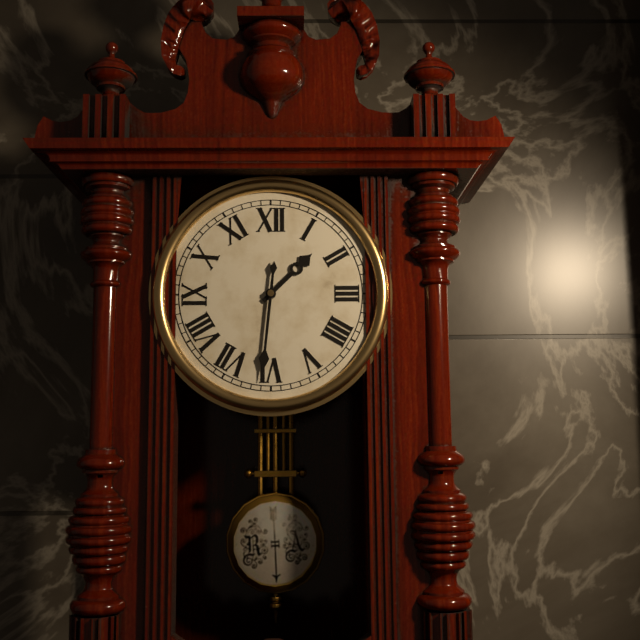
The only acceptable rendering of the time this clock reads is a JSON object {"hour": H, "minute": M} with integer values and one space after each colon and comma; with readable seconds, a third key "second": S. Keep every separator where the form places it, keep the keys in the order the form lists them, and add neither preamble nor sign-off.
{"hour": 1, "minute": 31}
